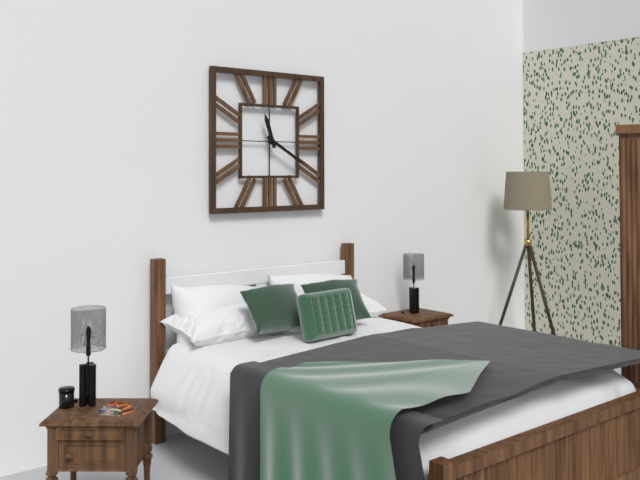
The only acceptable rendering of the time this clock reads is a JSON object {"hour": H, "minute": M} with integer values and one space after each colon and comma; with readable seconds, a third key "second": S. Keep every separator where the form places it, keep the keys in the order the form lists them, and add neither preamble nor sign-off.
{"hour": 11, "minute": 20}
